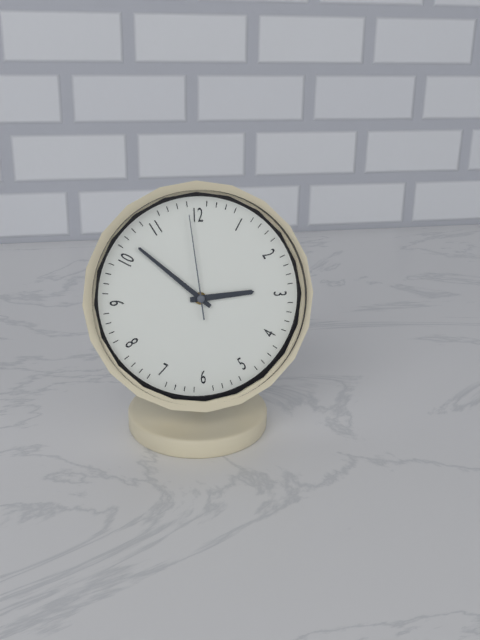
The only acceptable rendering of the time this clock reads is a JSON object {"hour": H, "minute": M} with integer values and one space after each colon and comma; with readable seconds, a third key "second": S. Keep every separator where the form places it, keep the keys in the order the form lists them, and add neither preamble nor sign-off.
{"hour": 2, "minute": 52, "second": 59}
